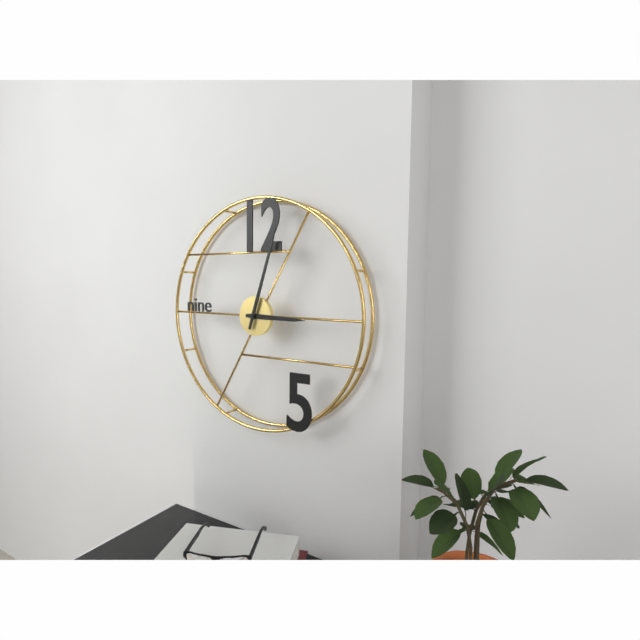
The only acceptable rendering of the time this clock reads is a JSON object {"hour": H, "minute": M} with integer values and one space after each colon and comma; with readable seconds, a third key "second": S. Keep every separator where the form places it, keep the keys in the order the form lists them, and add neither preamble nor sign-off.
{"hour": 3, "minute": 3}
